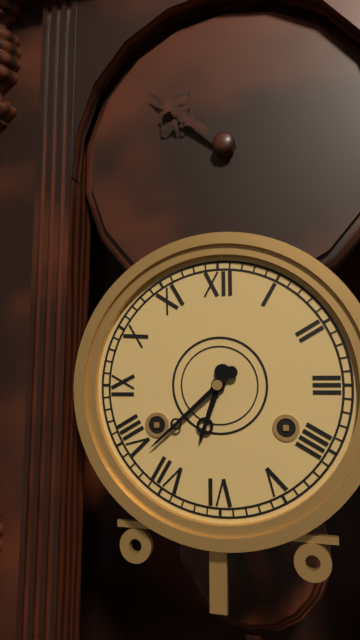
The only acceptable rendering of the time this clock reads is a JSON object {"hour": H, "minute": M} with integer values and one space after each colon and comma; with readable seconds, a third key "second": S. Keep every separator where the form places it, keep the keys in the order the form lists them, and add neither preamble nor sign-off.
{"hour": 6, "minute": 38}
